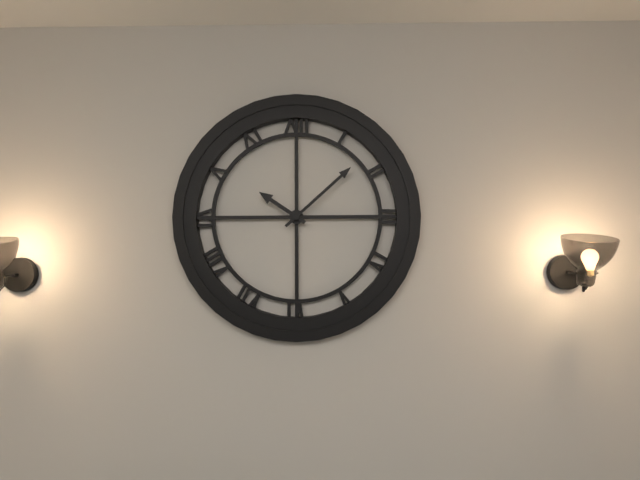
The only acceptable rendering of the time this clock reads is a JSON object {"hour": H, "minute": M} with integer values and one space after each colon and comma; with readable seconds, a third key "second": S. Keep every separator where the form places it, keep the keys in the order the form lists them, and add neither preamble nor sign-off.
{"hour": 10, "minute": 8}
